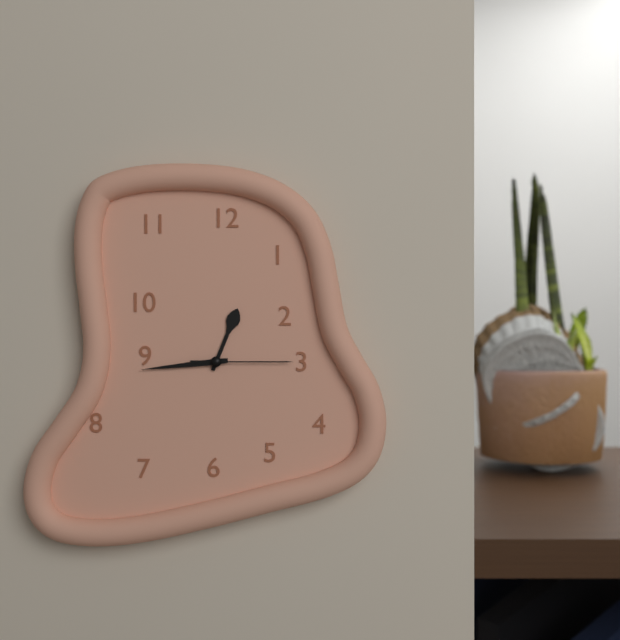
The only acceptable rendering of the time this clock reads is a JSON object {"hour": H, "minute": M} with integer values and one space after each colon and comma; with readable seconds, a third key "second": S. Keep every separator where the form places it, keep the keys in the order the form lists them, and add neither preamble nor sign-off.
{"hour": 12, "minute": 44, "second": 15}
